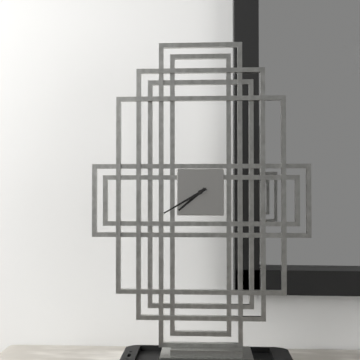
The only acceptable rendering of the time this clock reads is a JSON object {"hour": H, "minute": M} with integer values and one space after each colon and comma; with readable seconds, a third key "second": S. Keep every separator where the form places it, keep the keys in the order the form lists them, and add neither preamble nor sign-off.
{"hour": 7, "minute": 40}
